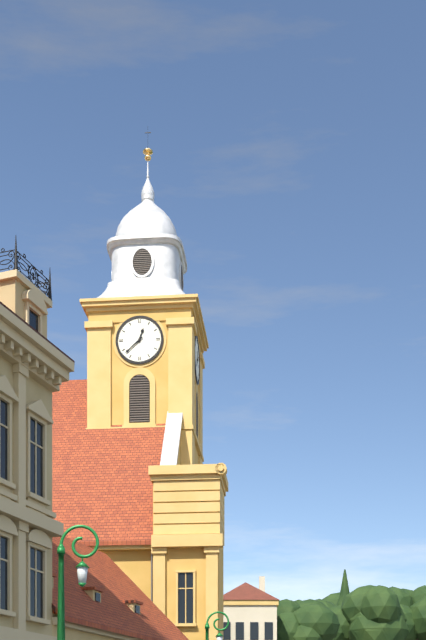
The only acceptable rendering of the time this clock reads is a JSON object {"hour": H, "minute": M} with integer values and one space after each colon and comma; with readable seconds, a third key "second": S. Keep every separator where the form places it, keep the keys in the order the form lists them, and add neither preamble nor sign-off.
{"hour": 12, "minute": 38}
